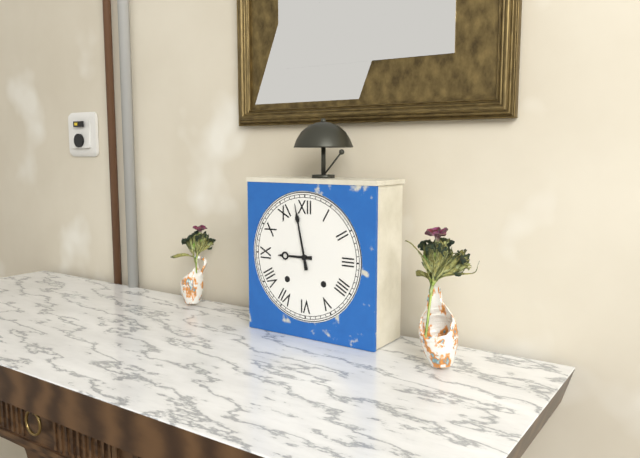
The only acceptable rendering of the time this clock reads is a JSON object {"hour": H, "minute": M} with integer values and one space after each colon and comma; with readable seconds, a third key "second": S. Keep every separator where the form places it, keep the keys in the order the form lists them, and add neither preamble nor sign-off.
{"hour": 8, "minute": 58}
